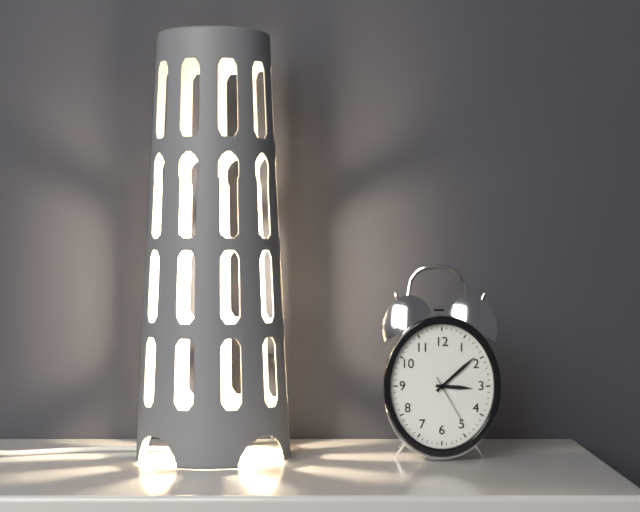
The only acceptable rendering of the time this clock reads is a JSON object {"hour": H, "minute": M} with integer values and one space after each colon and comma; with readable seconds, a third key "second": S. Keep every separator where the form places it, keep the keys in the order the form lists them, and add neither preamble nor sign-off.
{"hour": 3, "minute": 8, "second": 25}
